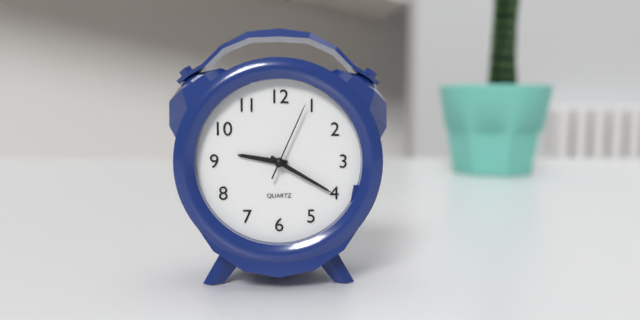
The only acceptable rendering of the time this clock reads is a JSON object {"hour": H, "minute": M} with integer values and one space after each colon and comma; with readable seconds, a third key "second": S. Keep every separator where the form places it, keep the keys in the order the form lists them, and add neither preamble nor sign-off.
{"hour": 9, "minute": 20, "second": 4}
